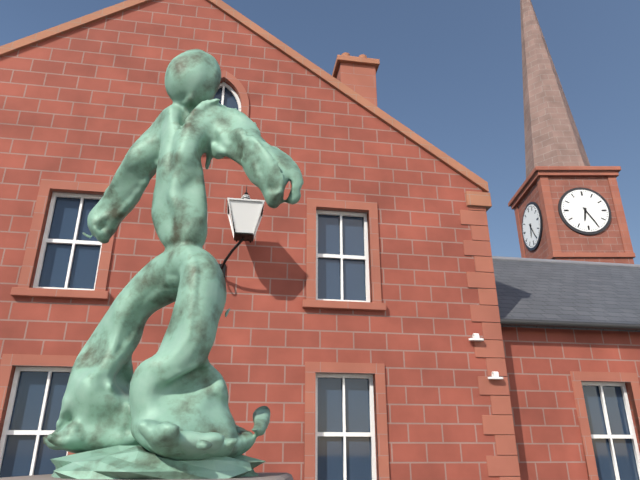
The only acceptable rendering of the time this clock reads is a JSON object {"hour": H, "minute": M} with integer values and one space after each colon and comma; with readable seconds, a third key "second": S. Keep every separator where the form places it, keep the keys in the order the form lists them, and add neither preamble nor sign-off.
{"hour": 6, "minute": 25}
